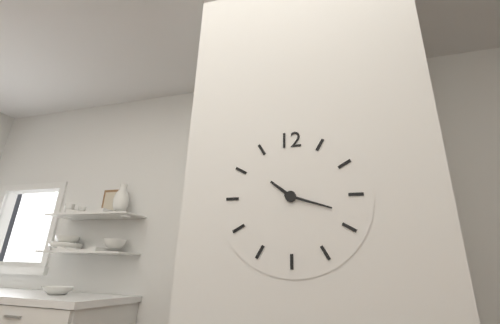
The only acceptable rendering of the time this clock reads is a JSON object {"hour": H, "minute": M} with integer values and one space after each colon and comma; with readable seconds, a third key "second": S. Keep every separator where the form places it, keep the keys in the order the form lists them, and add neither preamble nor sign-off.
{"hour": 10, "minute": 18}
